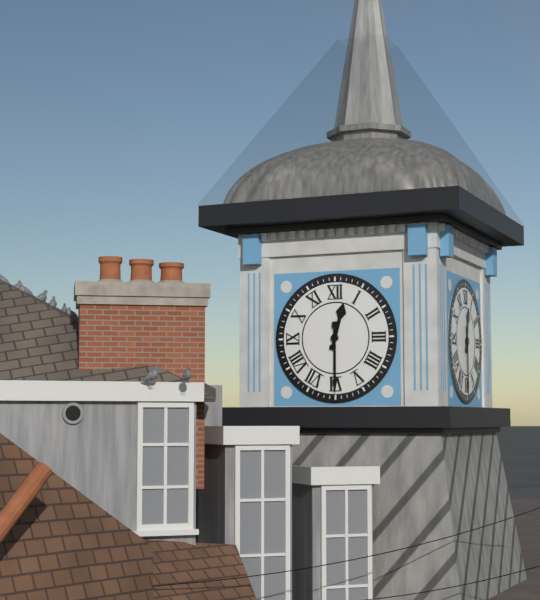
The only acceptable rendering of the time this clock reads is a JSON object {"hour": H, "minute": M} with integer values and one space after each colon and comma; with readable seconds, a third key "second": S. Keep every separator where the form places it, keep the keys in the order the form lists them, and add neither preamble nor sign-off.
{"hour": 12, "minute": 30}
